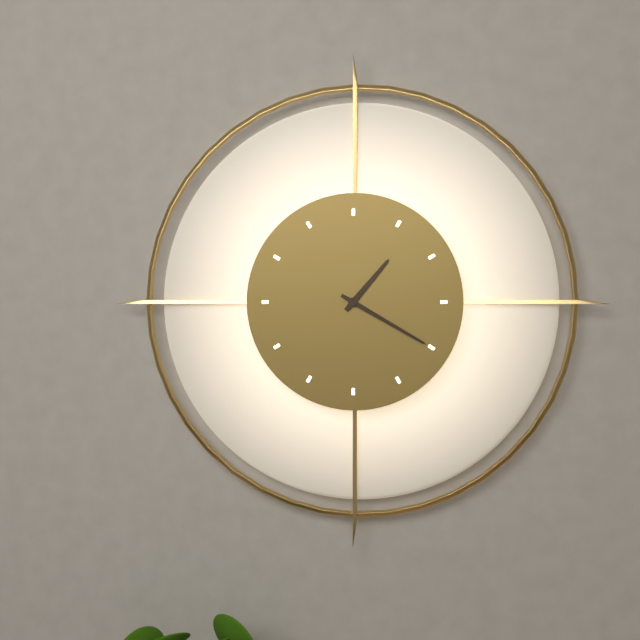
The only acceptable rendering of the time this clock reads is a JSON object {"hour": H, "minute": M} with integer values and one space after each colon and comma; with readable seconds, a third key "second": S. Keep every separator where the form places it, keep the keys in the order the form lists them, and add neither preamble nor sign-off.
{"hour": 1, "minute": 20}
